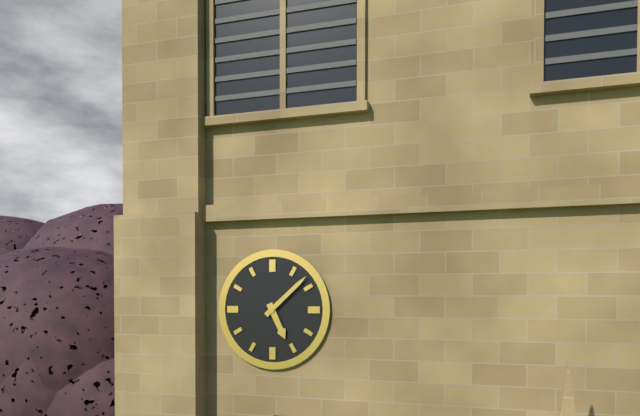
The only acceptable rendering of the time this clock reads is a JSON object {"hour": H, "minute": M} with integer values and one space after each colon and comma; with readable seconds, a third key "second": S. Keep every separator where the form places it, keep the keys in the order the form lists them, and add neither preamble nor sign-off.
{"hour": 5, "minute": 8}
